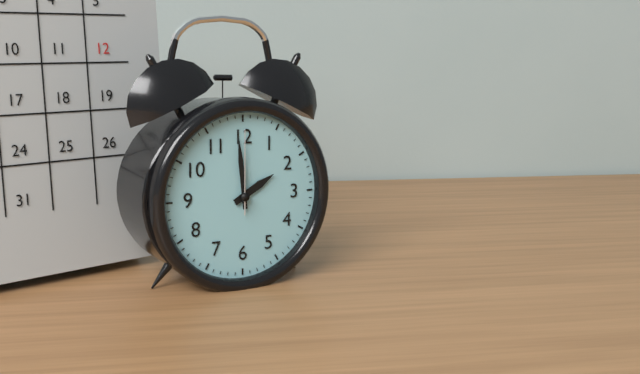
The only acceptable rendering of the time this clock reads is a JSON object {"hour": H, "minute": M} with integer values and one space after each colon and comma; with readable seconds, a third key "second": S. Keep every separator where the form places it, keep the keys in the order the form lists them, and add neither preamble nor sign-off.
{"hour": 1, "minute": 59, "second": 0}
